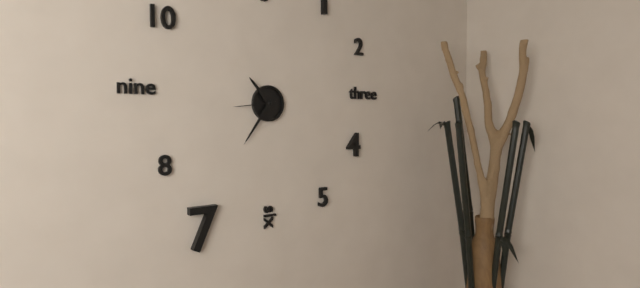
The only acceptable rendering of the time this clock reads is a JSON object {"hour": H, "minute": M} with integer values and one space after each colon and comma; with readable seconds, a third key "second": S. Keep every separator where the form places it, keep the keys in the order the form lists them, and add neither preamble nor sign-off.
{"hour": 10, "minute": 36}
